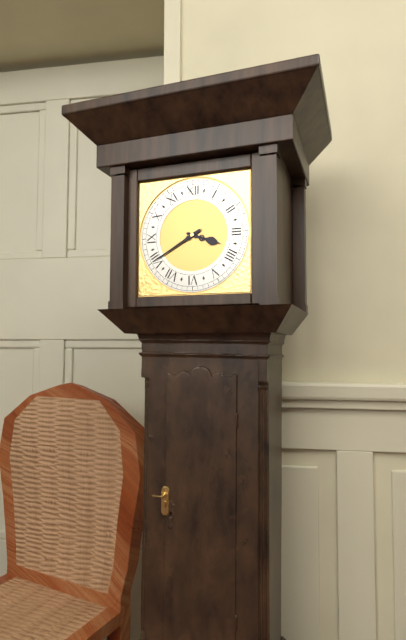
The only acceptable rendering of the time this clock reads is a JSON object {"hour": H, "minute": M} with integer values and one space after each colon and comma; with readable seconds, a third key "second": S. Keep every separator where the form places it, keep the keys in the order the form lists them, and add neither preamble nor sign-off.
{"hour": 3, "minute": 40}
